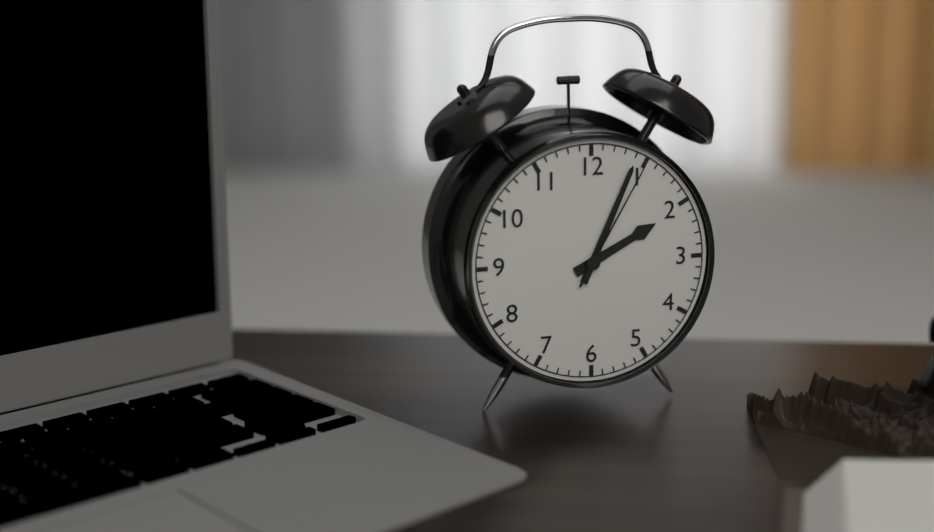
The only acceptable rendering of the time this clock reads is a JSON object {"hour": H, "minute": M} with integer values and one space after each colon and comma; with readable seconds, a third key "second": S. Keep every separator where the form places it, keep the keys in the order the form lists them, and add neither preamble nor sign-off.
{"hour": 2, "minute": 4, "second": 5}
